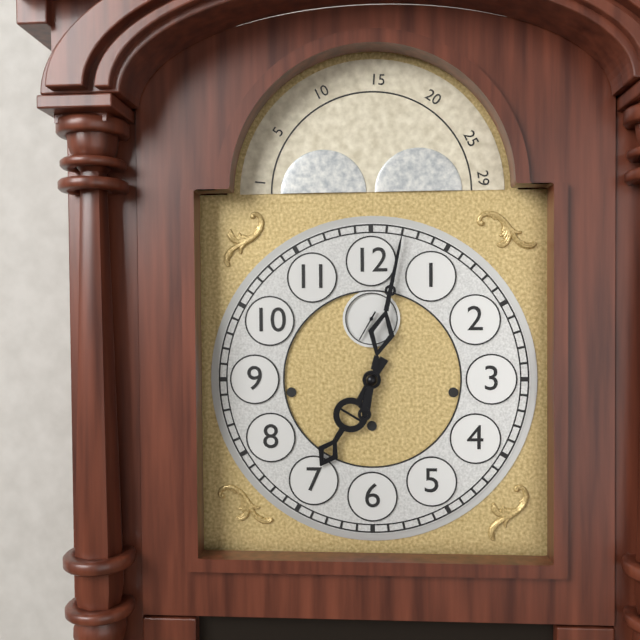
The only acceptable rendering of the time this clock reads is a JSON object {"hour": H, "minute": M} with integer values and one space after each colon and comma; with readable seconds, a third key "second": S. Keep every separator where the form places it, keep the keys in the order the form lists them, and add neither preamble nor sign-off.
{"hour": 7, "minute": 2}
